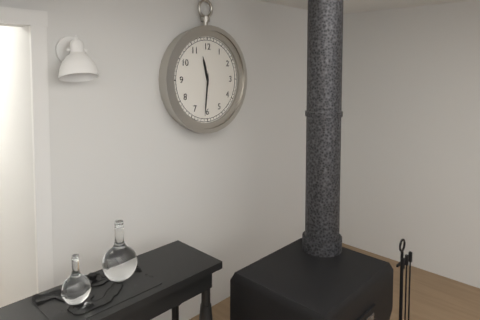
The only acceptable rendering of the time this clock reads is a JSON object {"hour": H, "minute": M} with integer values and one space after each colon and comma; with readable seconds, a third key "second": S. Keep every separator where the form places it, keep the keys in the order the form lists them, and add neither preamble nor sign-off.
{"hour": 11, "minute": 31}
